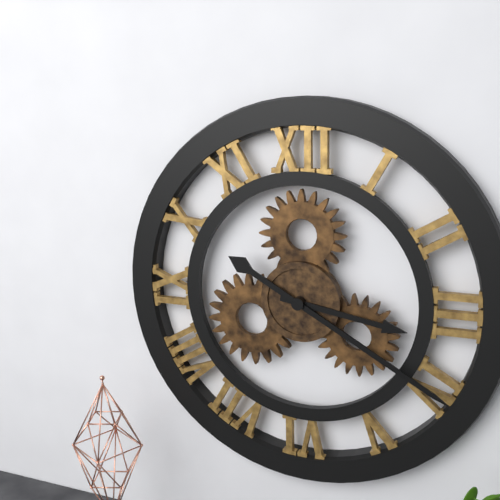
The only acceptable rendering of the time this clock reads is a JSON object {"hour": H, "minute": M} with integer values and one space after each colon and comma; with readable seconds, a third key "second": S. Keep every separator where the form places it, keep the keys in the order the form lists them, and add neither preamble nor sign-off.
{"hour": 3, "minute": 20}
